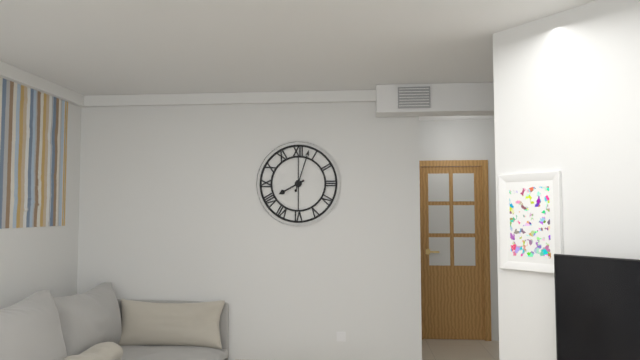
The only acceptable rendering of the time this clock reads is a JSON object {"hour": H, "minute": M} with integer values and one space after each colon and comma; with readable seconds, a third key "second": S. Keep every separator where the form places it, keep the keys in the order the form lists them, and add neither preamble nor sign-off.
{"hour": 8, "minute": 3}
